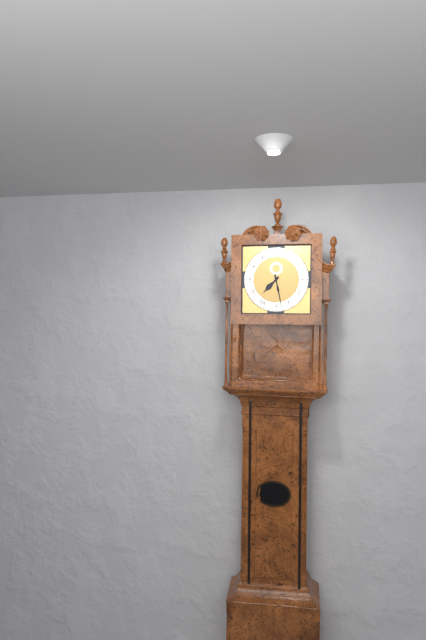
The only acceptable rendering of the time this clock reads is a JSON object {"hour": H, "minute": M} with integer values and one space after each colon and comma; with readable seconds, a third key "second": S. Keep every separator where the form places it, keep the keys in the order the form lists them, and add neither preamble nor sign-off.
{"hour": 7, "minute": 28}
